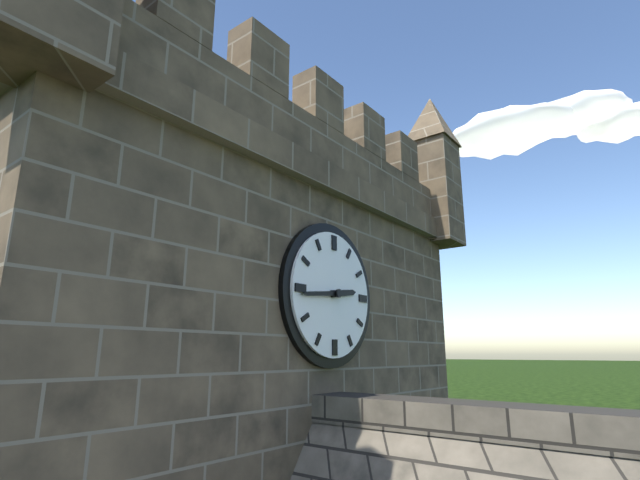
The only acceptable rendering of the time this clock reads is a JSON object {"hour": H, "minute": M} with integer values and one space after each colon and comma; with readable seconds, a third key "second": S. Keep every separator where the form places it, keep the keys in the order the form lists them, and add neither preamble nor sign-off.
{"hour": 2, "minute": 44}
